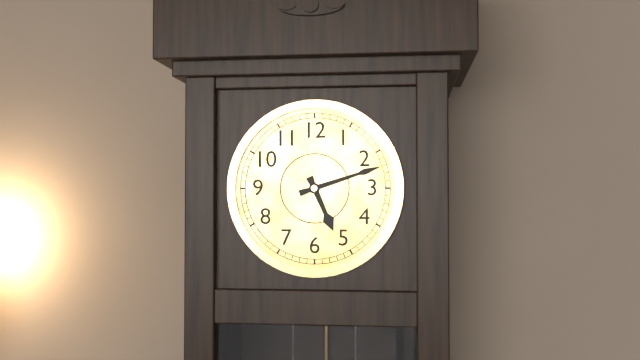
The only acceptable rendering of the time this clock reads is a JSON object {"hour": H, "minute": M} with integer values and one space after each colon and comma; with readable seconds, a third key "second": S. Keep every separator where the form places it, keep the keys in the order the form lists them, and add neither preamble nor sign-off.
{"hour": 5, "minute": 12}
